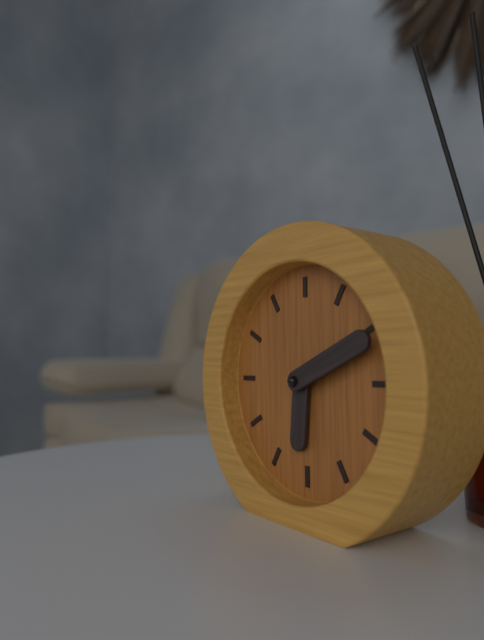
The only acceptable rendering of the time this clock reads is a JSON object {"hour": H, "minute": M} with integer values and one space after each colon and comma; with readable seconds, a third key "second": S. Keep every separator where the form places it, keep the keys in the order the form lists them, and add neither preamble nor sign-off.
{"hour": 6, "minute": 11}
